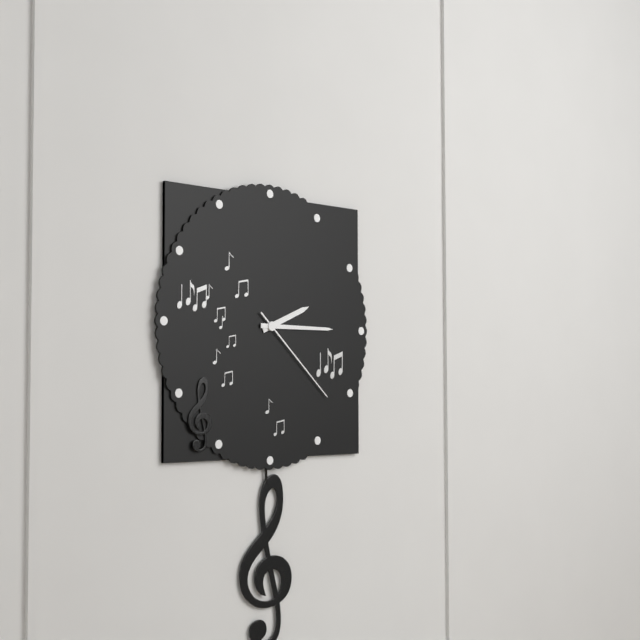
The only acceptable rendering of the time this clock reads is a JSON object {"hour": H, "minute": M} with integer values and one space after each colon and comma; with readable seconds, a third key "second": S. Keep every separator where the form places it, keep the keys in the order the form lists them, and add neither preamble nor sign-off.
{"hour": 2, "minute": 15, "second": 22}
